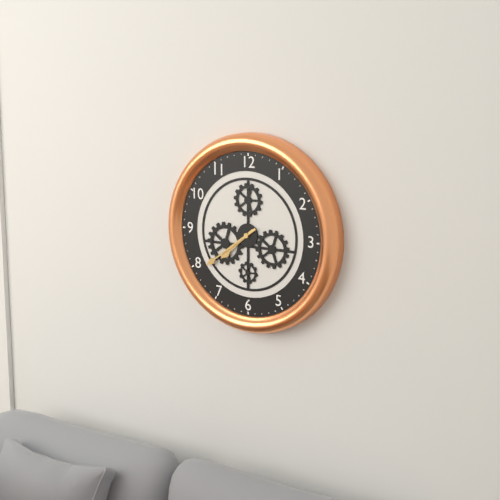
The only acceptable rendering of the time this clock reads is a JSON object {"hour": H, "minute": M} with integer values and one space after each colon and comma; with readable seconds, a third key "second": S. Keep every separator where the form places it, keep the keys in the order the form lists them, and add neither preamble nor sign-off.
{"hour": 7, "minute": 39}
